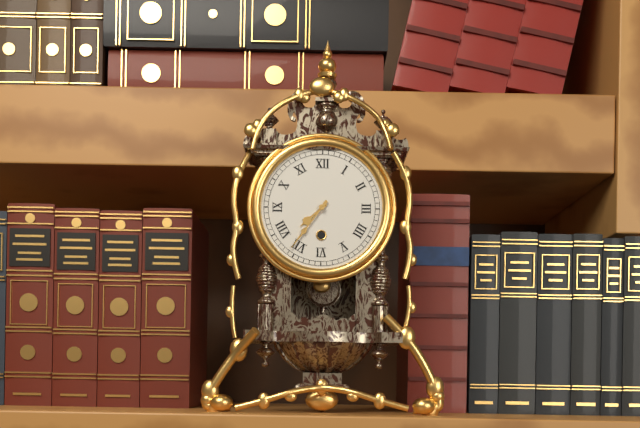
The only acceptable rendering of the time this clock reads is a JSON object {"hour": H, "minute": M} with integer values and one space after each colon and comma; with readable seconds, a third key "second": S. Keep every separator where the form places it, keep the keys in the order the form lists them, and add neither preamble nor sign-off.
{"hour": 7, "minute": 36}
